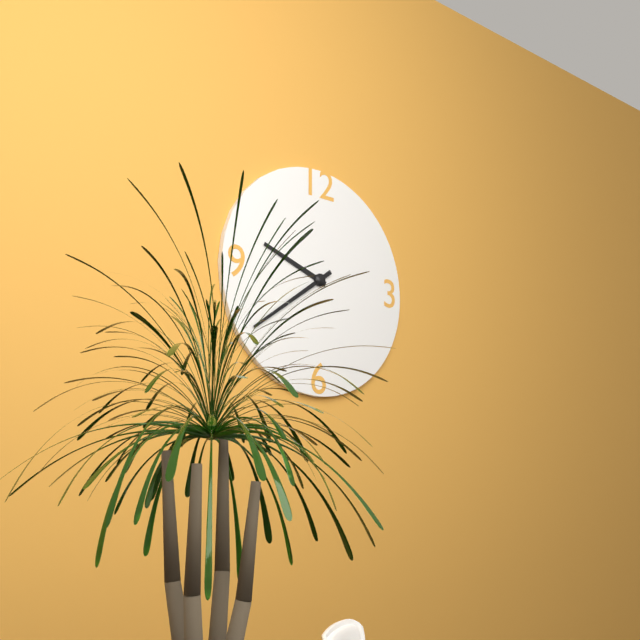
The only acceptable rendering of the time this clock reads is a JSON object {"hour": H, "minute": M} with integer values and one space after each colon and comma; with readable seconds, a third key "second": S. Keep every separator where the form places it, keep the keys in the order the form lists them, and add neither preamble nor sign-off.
{"hour": 9, "minute": 39}
